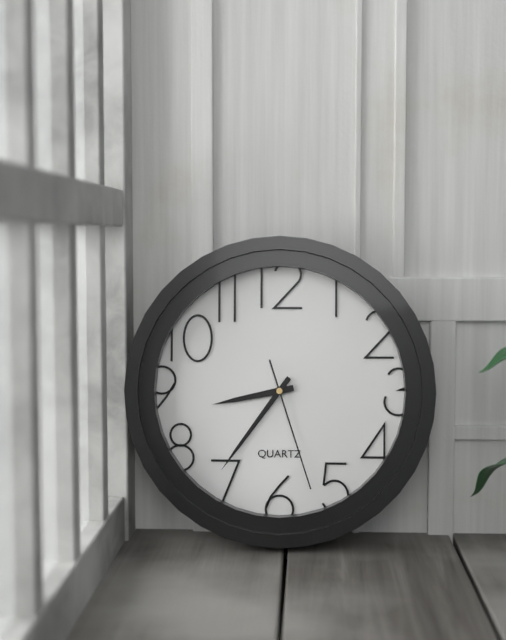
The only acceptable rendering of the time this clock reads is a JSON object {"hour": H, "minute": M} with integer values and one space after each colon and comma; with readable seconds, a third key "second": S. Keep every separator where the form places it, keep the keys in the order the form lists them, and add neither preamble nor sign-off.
{"hour": 8, "minute": 36, "second": 27}
